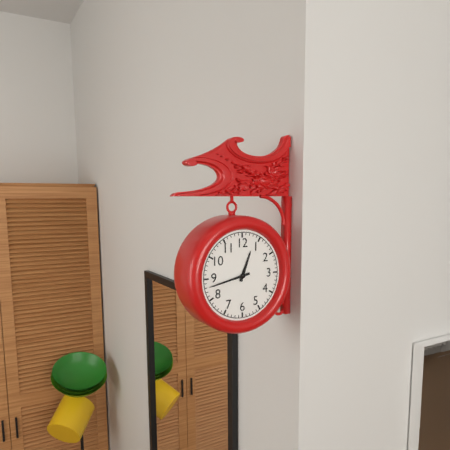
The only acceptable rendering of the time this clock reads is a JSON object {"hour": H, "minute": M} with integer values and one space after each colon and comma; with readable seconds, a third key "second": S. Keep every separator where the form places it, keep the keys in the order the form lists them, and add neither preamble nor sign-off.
{"hour": 12, "minute": 43}
